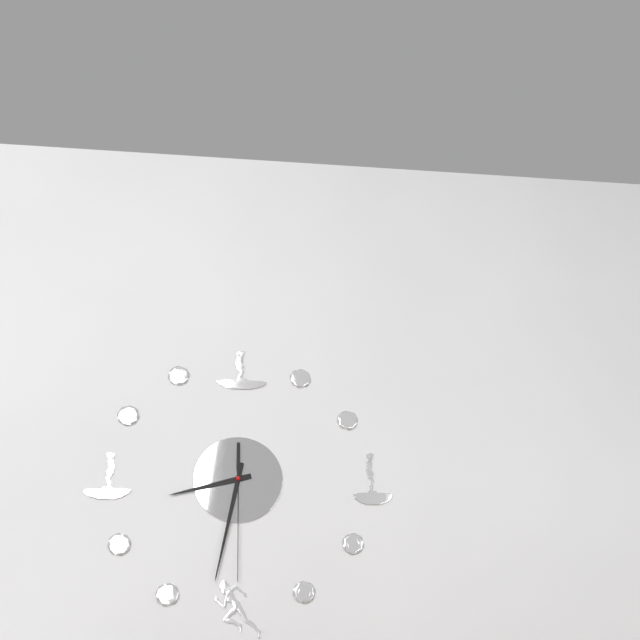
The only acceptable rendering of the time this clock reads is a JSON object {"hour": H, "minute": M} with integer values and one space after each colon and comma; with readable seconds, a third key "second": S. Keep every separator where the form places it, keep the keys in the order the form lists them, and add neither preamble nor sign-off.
{"hour": 8, "minute": 32, "second": 30}
